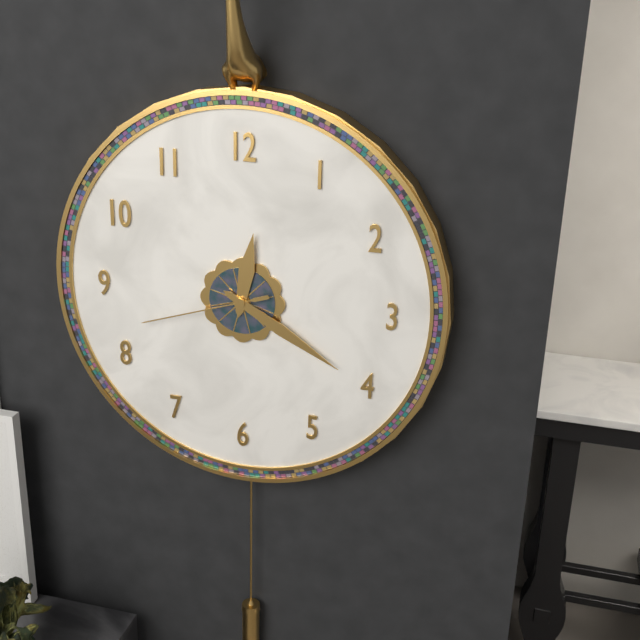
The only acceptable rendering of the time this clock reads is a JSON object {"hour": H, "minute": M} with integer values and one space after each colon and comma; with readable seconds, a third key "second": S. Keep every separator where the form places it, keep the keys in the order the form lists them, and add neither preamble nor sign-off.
{"hour": 12, "minute": 20, "second": 42}
